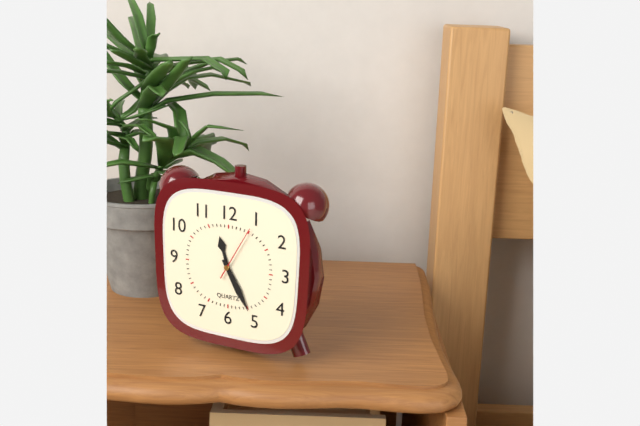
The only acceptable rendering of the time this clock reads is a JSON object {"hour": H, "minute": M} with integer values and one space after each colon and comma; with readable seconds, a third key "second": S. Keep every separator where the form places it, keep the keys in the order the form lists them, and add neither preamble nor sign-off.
{"hour": 11, "minute": 25, "second": 5}
